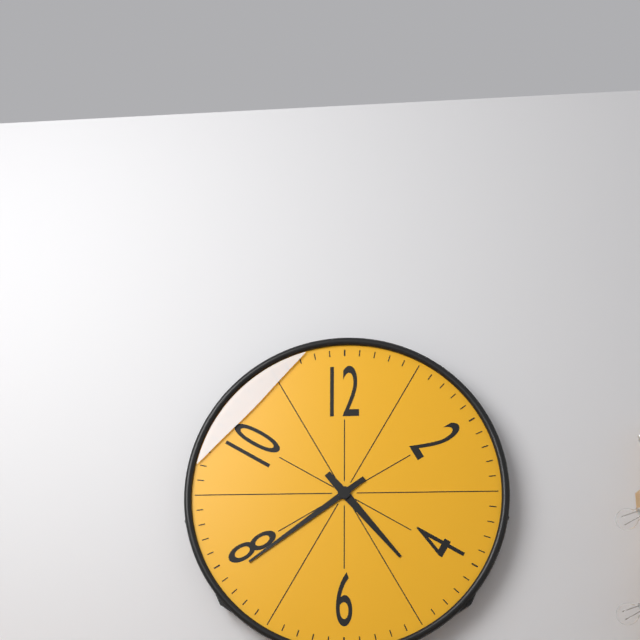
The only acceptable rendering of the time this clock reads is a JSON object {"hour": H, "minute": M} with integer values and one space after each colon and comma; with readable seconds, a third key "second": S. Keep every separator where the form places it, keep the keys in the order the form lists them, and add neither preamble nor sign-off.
{"hour": 4, "minute": 39}
